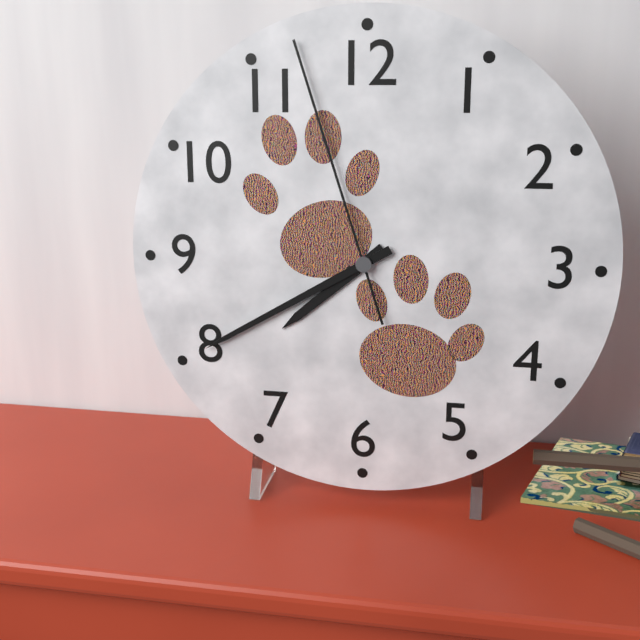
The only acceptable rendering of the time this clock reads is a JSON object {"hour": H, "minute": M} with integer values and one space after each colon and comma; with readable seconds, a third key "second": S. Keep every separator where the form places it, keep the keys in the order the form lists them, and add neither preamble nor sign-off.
{"hour": 7, "minute": 40, "second": 57}
